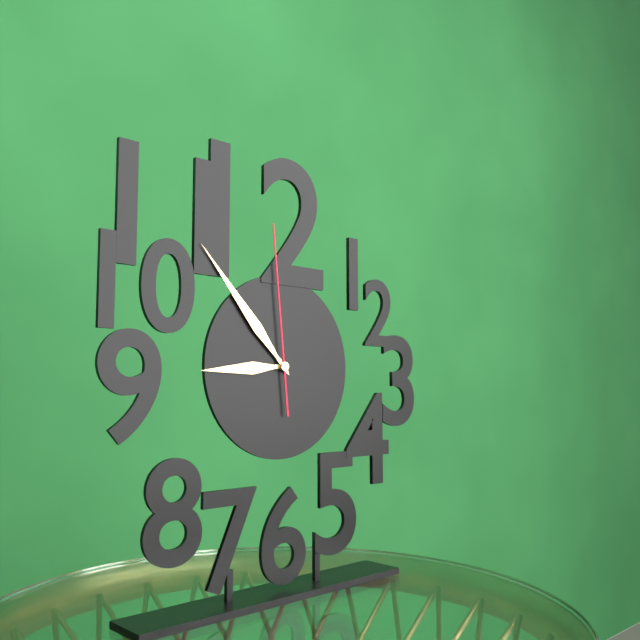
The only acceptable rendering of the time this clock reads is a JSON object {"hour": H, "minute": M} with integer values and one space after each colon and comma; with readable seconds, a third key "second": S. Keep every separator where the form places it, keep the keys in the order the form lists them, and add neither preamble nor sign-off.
{"hour": 8, "minute": 53, "second": 59}
